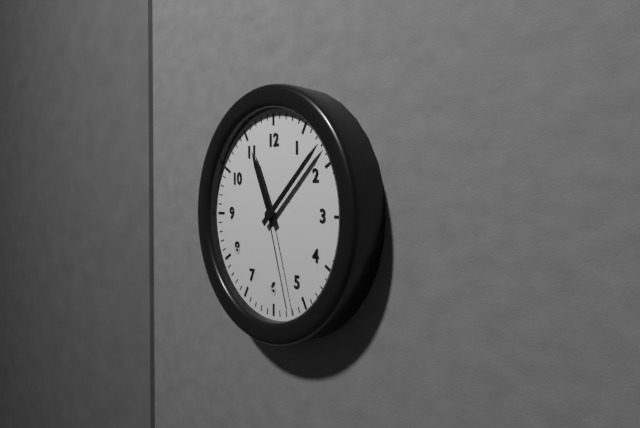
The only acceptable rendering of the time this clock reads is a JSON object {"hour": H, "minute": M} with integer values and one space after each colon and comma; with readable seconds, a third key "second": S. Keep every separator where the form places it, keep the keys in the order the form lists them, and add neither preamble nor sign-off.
{"hour": 11, "minute": 8, "second": 27}
